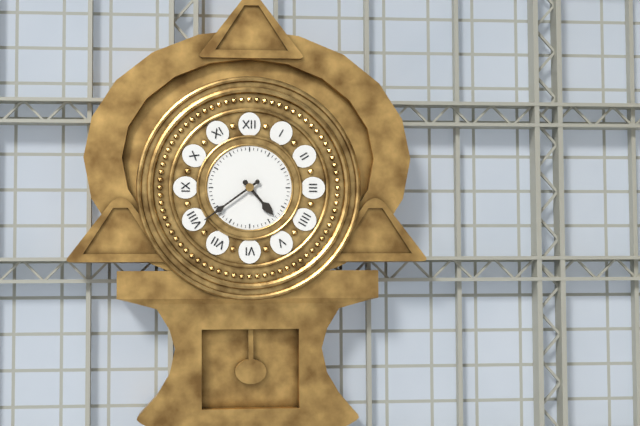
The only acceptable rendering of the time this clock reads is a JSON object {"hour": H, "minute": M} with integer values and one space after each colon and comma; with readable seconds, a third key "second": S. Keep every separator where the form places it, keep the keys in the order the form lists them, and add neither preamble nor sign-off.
{"hour": 4, "minute": 39}
